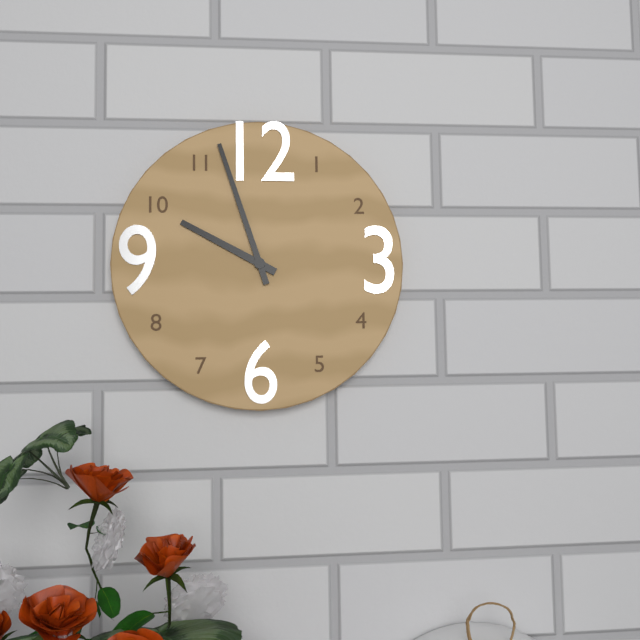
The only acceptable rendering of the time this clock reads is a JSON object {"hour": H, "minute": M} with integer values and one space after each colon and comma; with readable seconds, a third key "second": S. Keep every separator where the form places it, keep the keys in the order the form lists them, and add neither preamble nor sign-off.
{"hour": 9, "minute": 57}
